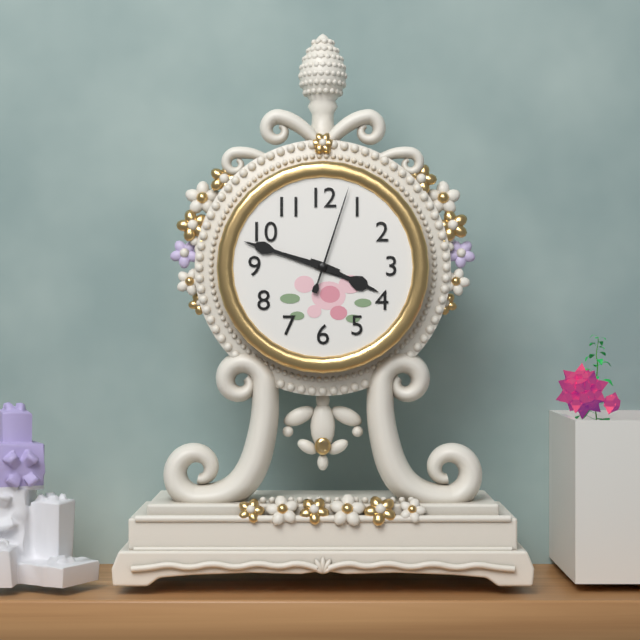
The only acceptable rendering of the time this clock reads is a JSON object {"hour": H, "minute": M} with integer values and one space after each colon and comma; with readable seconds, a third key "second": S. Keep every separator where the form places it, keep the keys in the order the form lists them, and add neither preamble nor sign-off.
{"hour": 3, "minute": 48, "second": 3}
